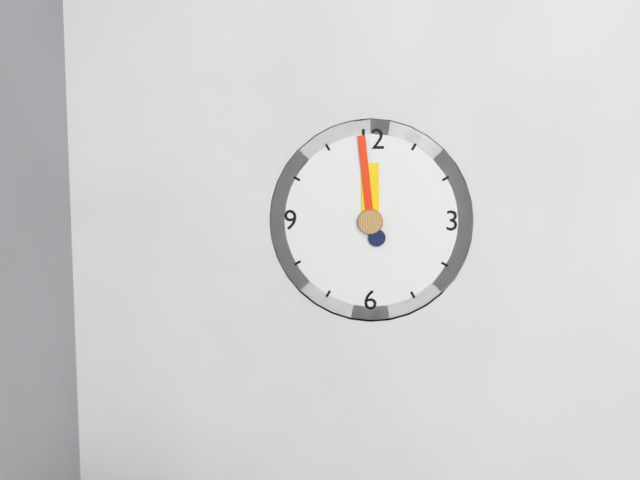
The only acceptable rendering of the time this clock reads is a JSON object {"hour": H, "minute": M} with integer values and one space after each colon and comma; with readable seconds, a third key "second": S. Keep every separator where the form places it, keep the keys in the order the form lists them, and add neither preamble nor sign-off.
{"hour": 11, "minute": 59}
